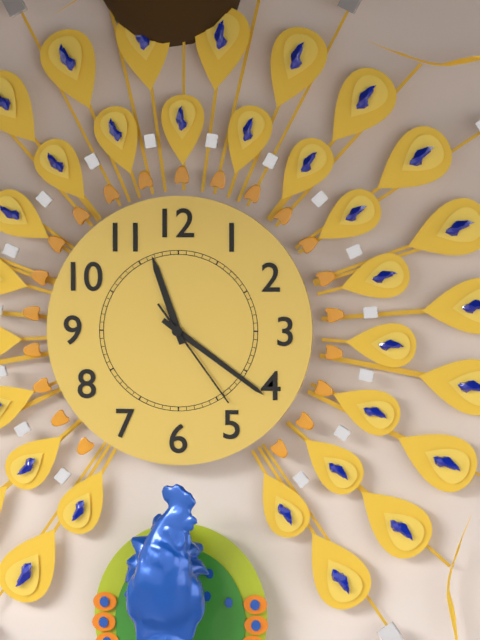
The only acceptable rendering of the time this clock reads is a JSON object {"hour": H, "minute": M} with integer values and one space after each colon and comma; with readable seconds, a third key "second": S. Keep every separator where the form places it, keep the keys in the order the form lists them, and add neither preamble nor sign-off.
{"hour": 11, "minute": 21, "second": 24}
